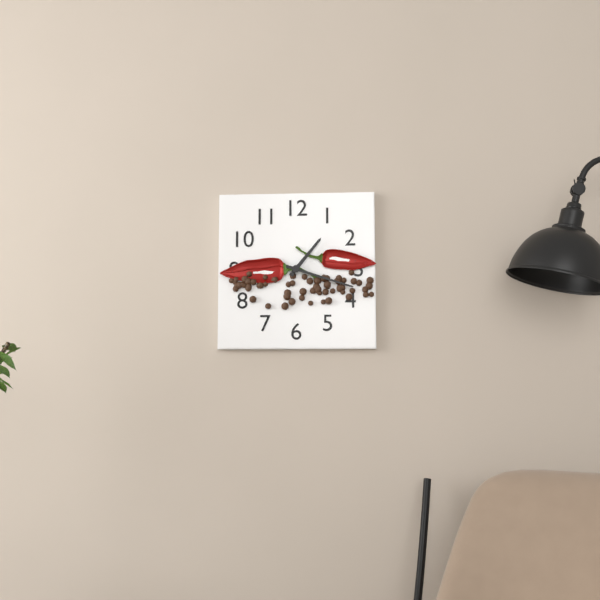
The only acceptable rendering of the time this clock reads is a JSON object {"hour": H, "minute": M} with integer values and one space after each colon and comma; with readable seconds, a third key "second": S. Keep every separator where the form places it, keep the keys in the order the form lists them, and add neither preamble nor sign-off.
{"hour": 1, "minute": 18}
